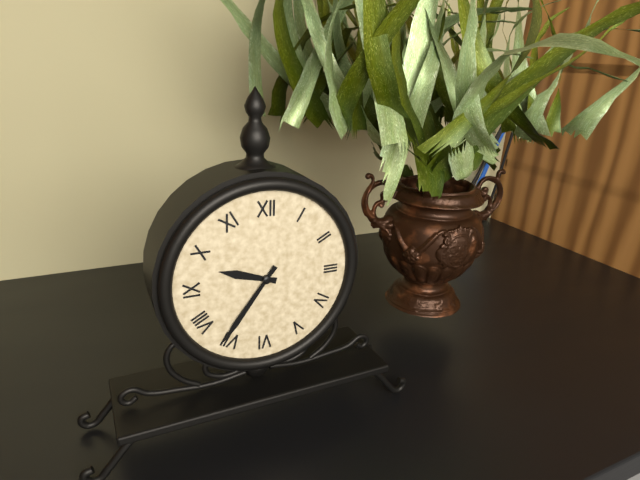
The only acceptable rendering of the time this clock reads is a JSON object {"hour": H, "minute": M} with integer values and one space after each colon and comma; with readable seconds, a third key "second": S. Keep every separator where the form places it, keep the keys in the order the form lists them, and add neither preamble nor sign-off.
{"hour": 9, "minute": 36}
